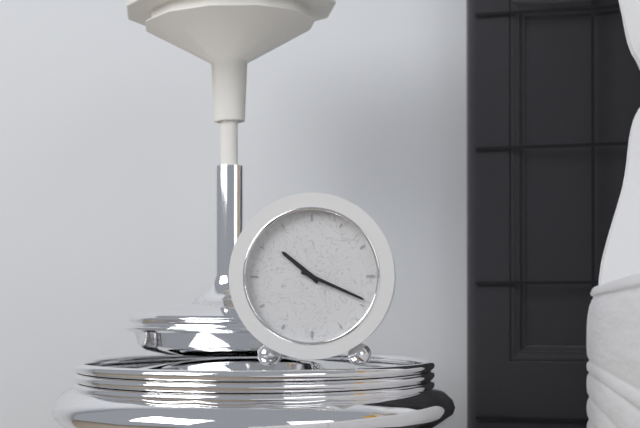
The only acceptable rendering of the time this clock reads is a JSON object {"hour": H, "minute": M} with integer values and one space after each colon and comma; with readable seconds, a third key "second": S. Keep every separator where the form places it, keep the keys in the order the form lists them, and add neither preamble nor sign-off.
{"hour": 10, "minute": 19}
